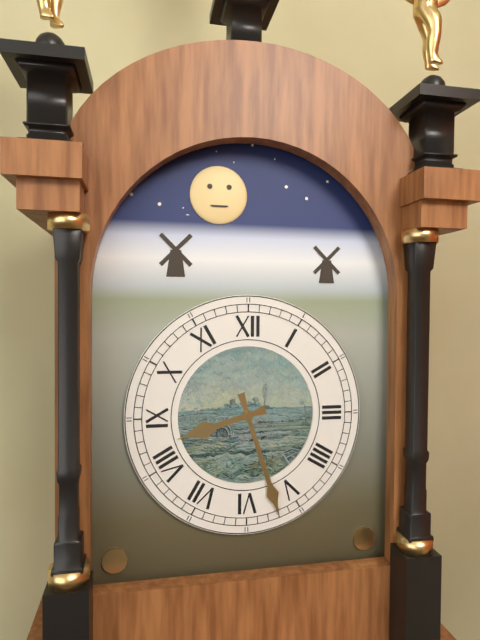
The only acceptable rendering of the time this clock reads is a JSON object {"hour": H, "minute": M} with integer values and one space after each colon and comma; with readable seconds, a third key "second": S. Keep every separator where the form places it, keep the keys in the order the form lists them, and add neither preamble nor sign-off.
{"hour": 8, "minute": 27}
